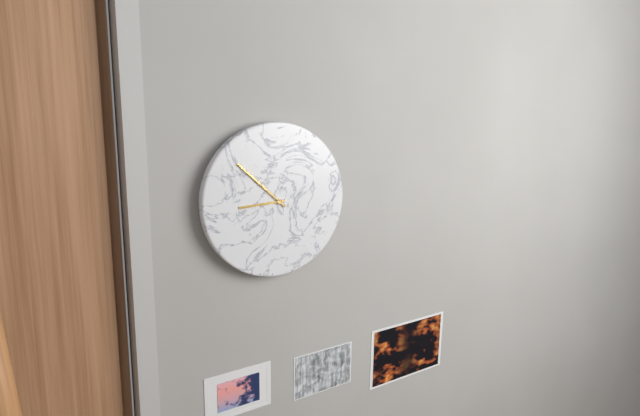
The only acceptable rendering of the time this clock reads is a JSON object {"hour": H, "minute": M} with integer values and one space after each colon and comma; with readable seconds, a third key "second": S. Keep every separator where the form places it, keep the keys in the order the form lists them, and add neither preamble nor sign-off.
{"hour": 8, "minute": 52}
